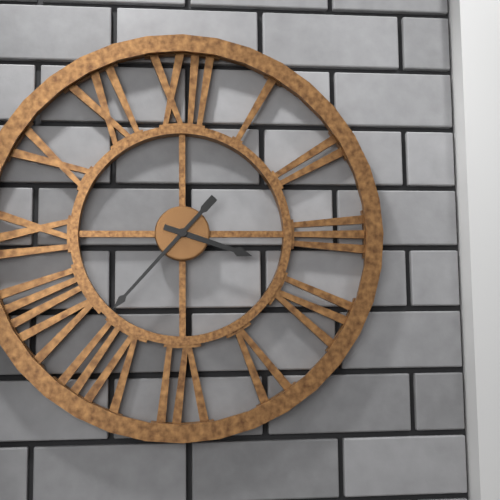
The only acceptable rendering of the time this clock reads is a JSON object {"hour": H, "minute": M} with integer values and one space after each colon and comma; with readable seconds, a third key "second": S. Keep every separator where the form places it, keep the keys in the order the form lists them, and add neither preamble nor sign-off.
{"hour": 3, "minute": 37}
